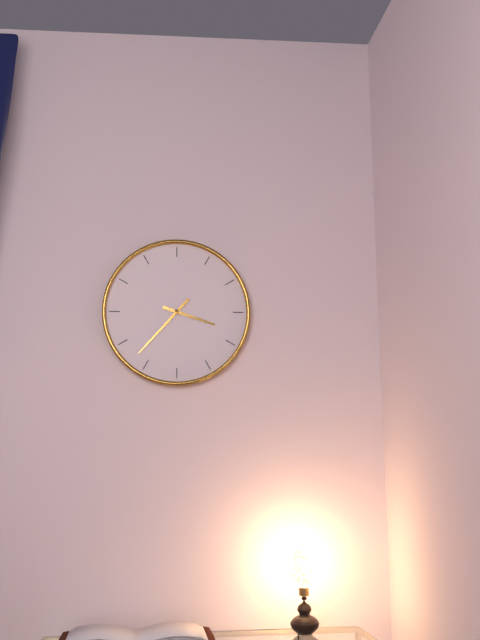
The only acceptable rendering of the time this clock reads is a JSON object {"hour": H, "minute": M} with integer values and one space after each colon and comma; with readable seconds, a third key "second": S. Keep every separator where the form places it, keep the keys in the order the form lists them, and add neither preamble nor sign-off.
{"hour": 3, "minute": 37}
